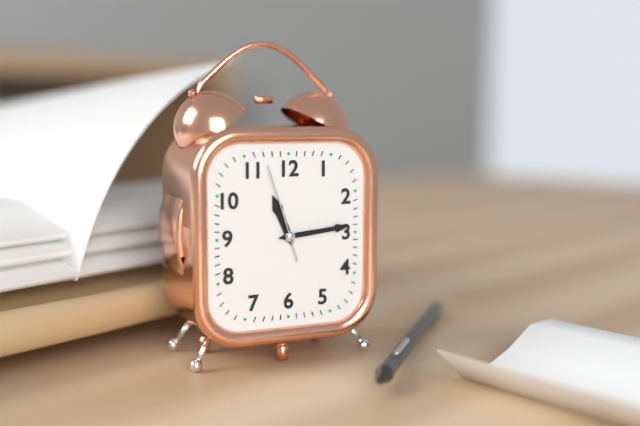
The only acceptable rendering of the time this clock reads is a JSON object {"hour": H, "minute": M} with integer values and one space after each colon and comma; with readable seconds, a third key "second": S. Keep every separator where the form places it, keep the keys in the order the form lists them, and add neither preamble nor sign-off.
{"hour": 11, "minute": 14, "second": 57}
